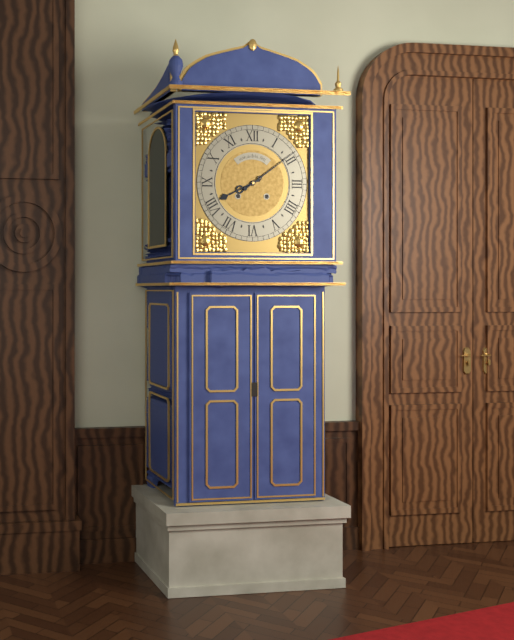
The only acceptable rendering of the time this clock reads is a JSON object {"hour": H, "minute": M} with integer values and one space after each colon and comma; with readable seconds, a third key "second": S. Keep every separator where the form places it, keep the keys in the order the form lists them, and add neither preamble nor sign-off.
{"hour": 8, "minute": 9}
